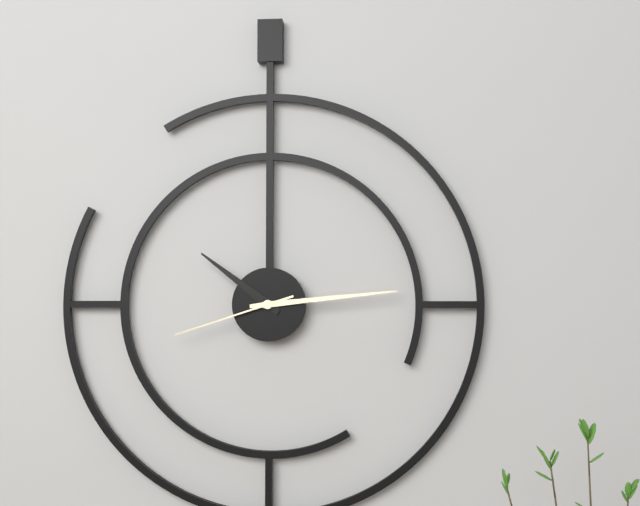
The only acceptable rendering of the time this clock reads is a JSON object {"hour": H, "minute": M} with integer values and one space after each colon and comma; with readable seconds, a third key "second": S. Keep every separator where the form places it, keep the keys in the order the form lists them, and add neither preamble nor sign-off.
{"hour": 10, "minute": 14, "second": 42}
